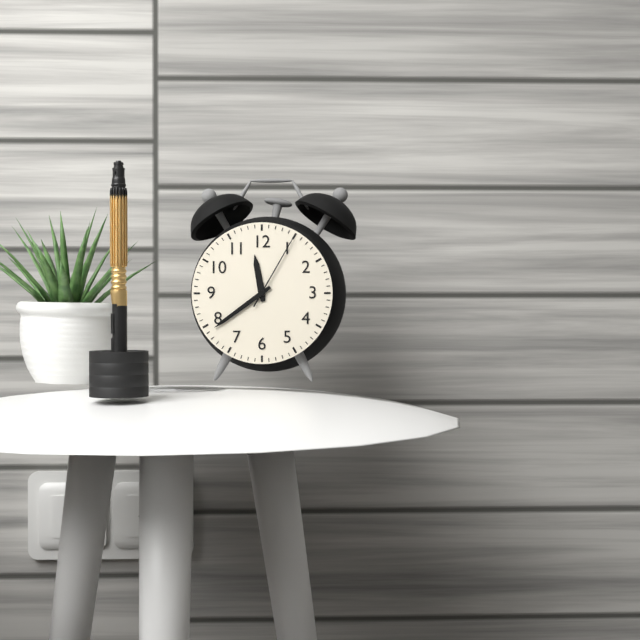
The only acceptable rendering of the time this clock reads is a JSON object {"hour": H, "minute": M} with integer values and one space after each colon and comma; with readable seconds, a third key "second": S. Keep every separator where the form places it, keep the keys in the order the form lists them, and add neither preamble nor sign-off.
{"hour": 11, "minute": 39, "second": 5}
